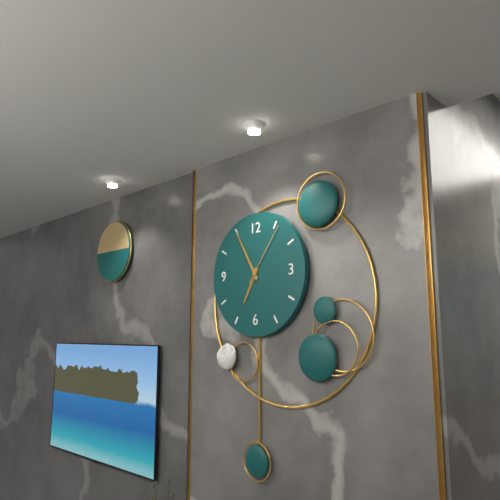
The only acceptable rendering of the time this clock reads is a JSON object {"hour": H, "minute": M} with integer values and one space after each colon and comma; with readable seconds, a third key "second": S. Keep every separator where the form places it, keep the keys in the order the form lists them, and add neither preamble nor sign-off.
{"hour": 6, "minute": 55, "second": 6}
